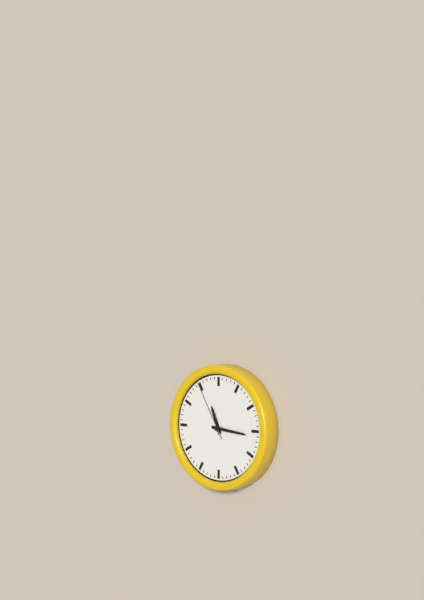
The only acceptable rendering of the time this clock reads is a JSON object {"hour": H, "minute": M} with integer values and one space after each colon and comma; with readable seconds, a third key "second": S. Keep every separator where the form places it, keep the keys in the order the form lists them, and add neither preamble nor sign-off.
{"hour": 11, "minute": 16, "second": 55}
